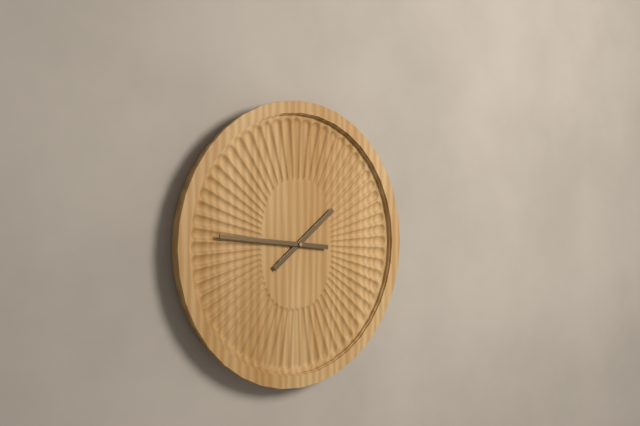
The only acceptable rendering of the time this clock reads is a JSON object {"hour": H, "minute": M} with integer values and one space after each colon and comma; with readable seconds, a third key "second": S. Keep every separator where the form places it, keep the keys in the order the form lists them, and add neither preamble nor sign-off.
{"hour": 1, "minute": 46}
